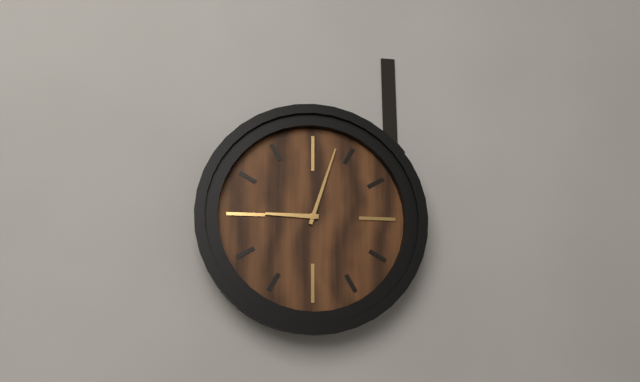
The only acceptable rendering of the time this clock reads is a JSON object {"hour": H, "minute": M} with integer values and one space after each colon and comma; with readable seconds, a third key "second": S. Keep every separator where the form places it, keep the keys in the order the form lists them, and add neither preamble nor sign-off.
{"hour": 9, "minute": 3}
